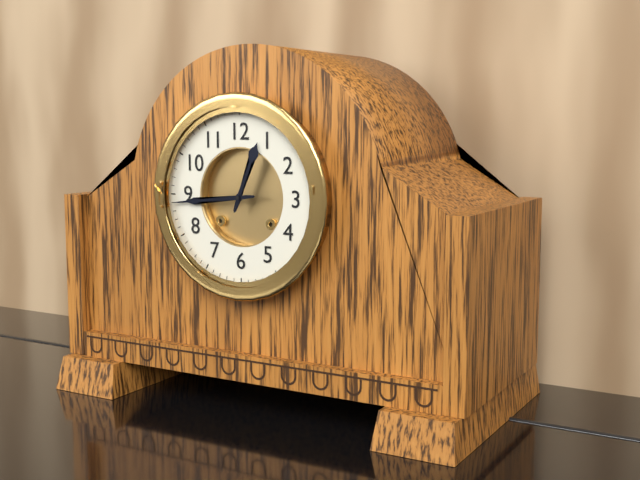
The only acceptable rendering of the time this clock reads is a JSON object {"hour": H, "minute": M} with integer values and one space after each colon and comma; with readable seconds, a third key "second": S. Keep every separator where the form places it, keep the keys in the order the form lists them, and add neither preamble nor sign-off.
{"hour": 12, "minute": 44}
